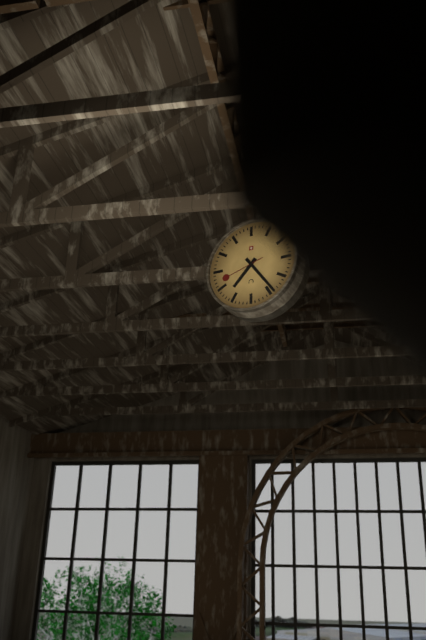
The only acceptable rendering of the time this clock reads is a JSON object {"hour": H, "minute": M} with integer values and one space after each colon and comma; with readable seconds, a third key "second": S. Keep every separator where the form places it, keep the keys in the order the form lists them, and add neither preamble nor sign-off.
{"hour": 7, "minute": 24}
